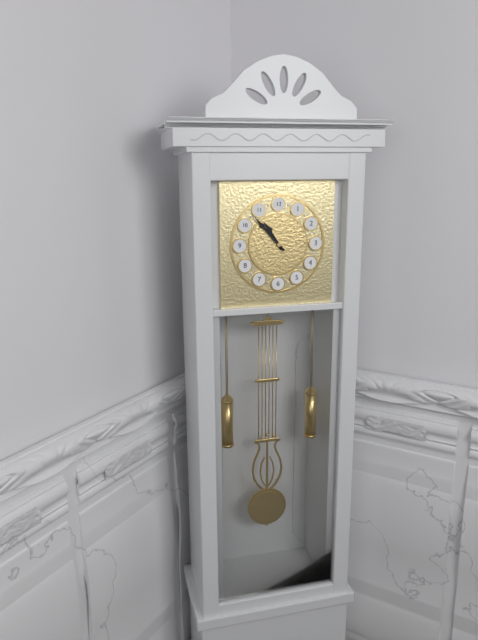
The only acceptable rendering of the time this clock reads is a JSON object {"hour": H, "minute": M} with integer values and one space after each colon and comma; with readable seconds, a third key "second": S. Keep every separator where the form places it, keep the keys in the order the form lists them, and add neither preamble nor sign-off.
{"hour": 10, "minute": 53}
